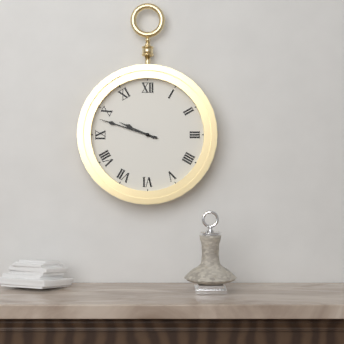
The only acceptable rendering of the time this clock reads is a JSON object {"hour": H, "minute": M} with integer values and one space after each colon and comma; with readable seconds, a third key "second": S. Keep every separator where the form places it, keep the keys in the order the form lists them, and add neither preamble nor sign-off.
{"hour": 9, "minute": 48}
